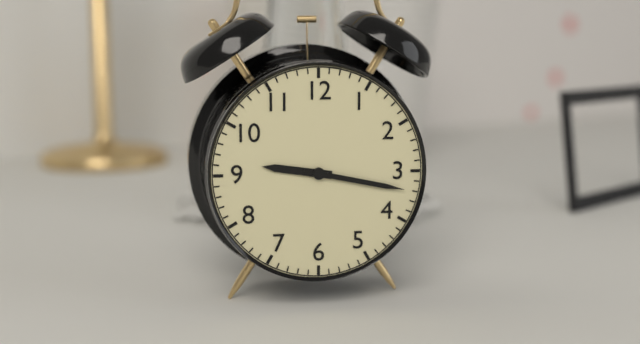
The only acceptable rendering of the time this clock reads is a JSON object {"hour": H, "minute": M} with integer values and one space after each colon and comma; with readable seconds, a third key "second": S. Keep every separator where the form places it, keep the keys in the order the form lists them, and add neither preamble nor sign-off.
{"hour": 9, "minute": 17}
